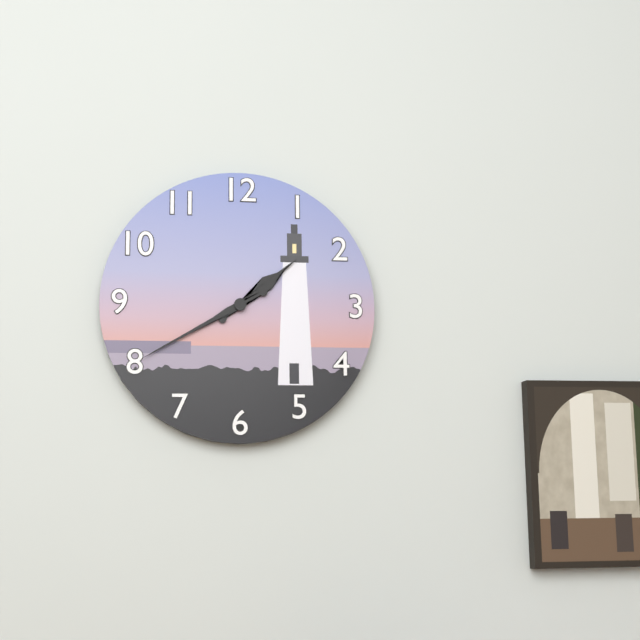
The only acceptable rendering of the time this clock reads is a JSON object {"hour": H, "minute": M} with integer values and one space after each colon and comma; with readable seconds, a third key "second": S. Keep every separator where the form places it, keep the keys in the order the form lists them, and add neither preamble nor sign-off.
{"hour": 1, "minute": 40}
